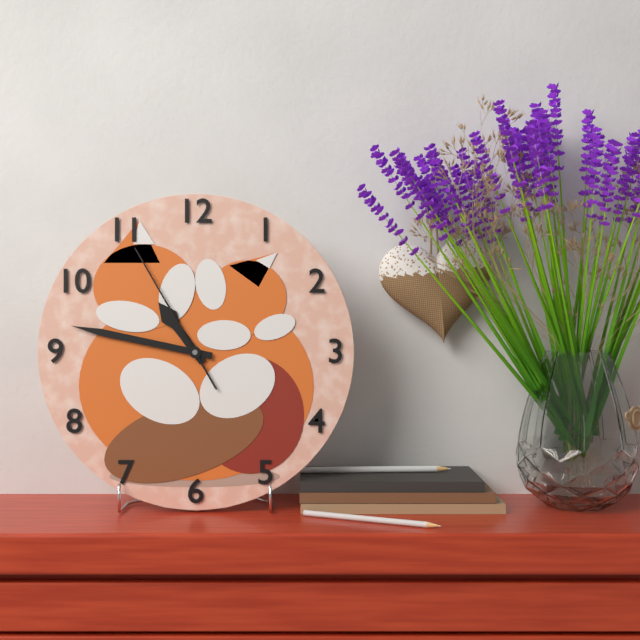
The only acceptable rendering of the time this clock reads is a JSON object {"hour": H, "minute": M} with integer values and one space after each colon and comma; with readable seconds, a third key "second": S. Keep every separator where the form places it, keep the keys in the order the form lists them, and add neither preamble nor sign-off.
{"hour": 10, "minute": 47, "second": 55}
